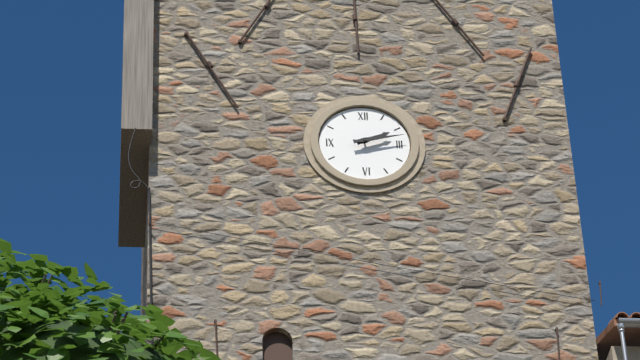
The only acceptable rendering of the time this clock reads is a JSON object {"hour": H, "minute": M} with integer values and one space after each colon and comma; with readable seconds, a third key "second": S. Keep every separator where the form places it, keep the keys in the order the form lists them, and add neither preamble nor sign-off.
{"hour": 2, "minute": 13}
